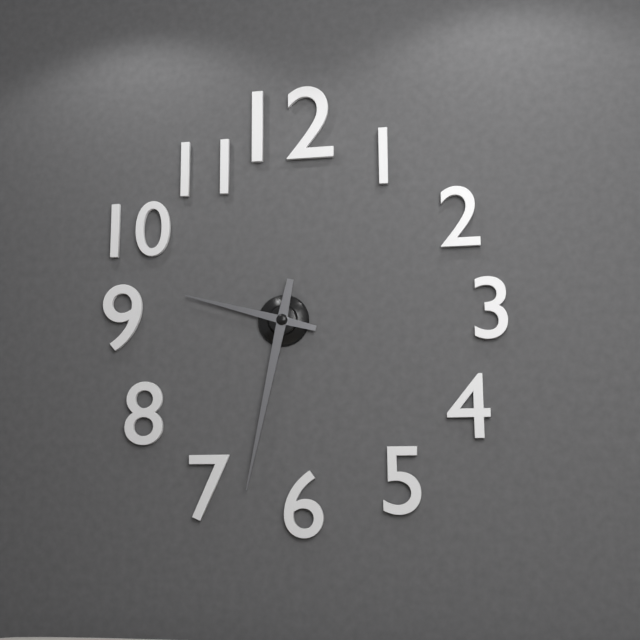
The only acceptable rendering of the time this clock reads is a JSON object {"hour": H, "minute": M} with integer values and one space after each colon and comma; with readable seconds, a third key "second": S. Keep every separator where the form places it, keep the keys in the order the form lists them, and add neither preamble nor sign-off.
{"hour": 9, "minute": 32}
